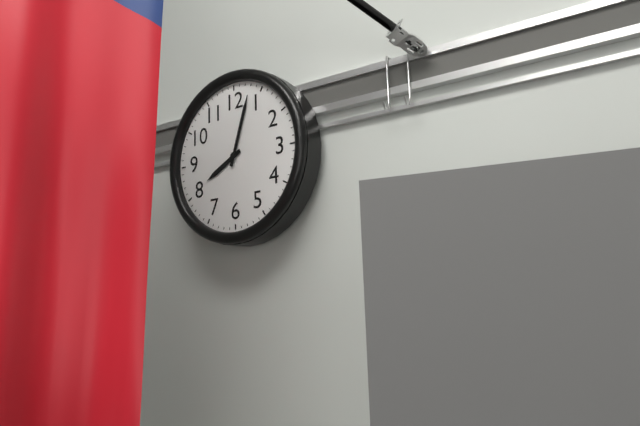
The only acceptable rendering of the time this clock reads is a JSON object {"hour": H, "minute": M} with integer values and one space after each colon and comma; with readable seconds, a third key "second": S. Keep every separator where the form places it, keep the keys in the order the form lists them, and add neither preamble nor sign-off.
{"hour": 8, "minute": 3}
